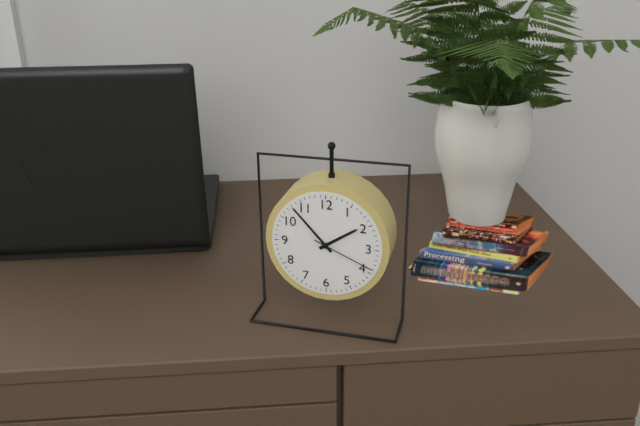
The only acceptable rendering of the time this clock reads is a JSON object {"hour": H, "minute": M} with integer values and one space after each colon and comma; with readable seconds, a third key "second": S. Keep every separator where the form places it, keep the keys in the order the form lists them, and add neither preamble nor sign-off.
{"hour": 1, "minute": 53, "second": 19}
